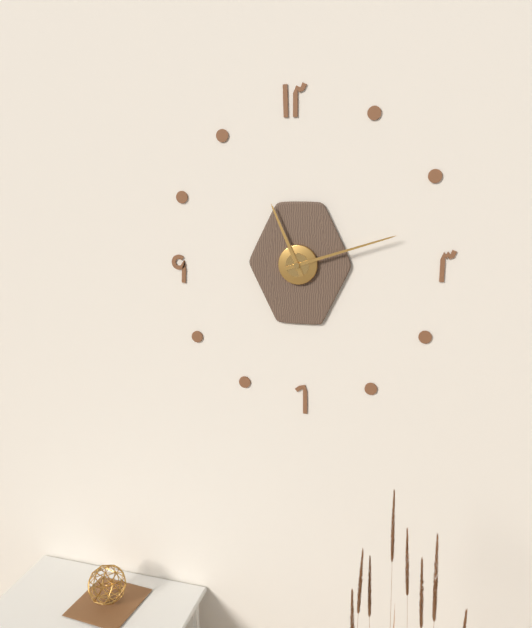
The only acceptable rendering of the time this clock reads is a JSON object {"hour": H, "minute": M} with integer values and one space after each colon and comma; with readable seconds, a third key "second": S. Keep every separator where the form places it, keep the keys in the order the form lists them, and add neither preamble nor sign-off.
{"hour": 11, "minute": 12}
